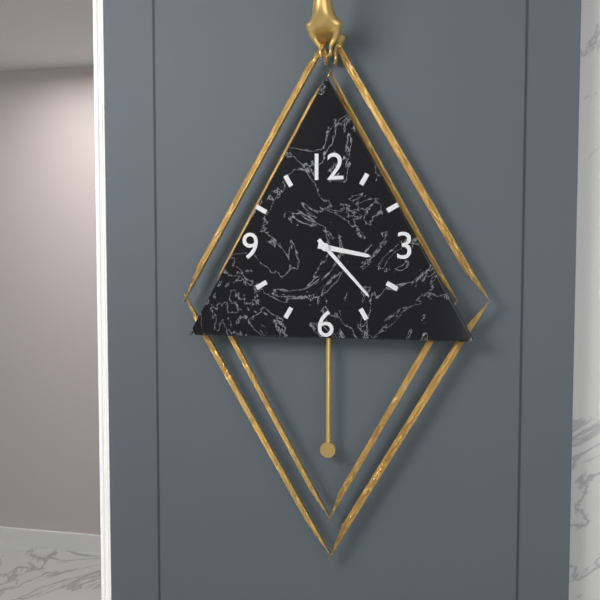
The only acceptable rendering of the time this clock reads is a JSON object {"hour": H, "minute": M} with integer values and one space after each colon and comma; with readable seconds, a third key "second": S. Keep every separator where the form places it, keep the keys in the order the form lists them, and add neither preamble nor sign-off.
{"hour": 3, "minute": 23}
